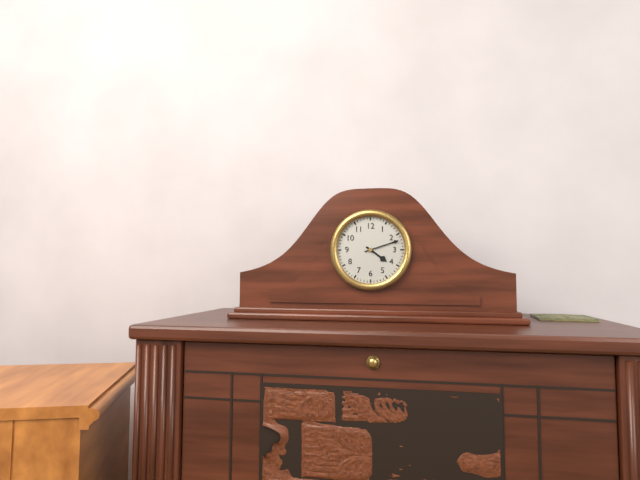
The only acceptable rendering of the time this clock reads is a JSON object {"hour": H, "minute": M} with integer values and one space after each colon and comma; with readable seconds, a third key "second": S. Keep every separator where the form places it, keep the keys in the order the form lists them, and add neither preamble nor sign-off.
{"hour": 4, "minute": 12}
